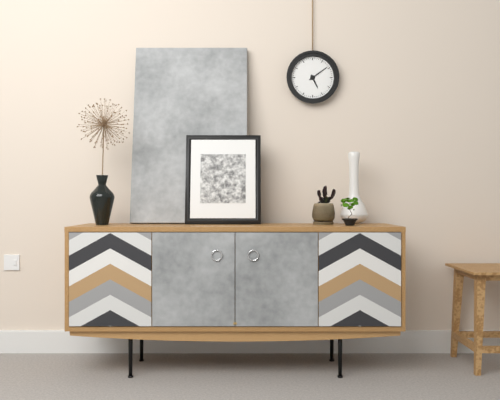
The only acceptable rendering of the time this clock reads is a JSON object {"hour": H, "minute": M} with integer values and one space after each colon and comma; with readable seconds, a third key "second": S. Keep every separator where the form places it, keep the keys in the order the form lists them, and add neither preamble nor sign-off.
{"hour": 5, "minute": 9}
